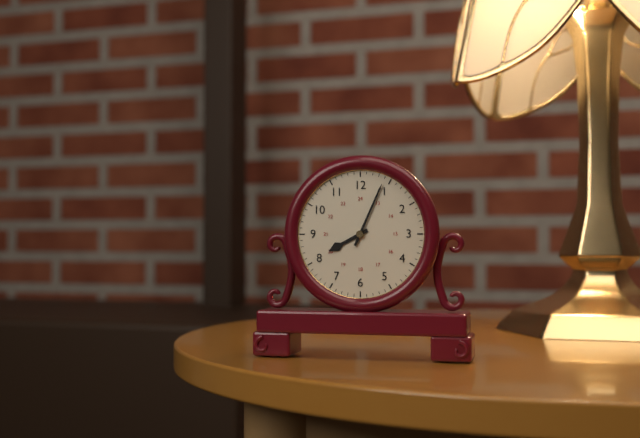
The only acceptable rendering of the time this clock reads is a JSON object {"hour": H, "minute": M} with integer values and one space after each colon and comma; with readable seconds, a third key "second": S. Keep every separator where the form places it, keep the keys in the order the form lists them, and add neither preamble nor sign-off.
{"hour": 8, "minute": 4}
